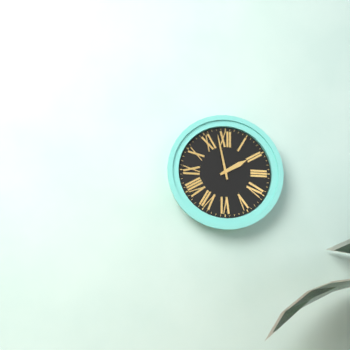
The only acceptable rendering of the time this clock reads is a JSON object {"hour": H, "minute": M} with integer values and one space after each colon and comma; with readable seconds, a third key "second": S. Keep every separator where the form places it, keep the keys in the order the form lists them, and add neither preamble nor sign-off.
{"hour": 1, "minute": 58}
